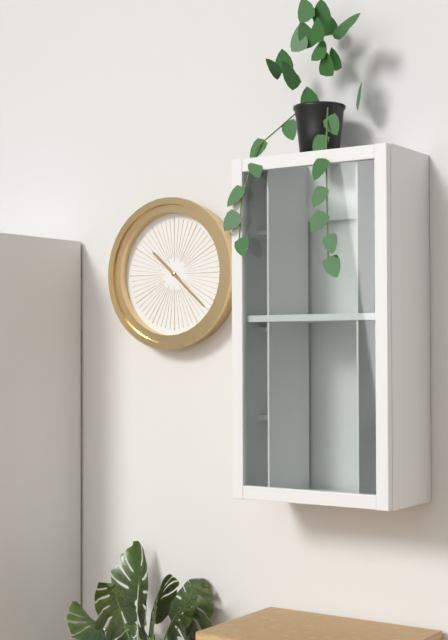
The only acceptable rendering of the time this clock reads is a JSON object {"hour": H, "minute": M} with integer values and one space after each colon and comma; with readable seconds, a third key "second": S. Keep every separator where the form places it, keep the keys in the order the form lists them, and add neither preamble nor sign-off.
{"hour": 10, "minute": 22}
